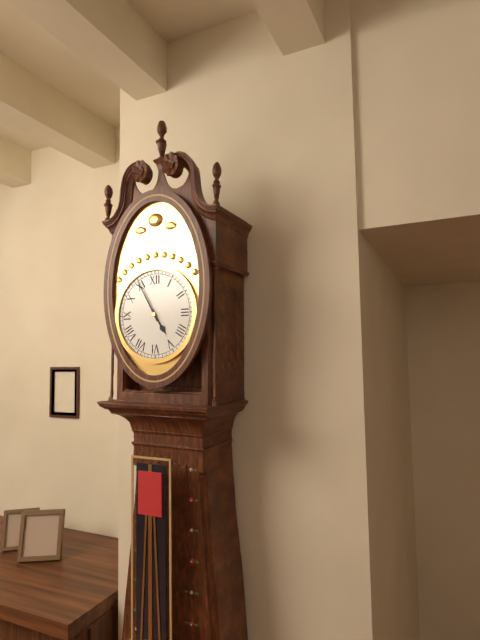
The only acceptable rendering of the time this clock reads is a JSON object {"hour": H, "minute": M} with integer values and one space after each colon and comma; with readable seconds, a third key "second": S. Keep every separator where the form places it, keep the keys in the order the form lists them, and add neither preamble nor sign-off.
{"hour": 4, "minute": 55}
